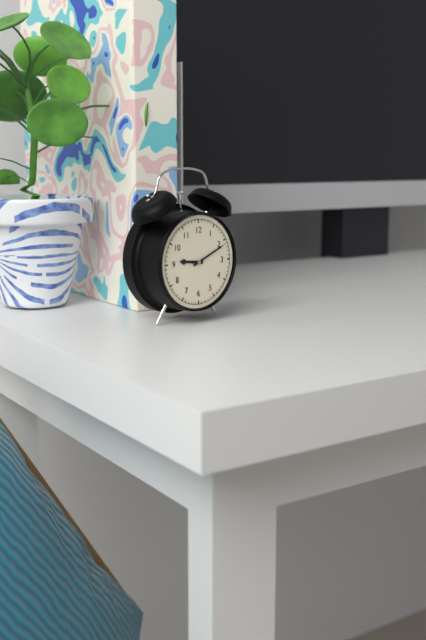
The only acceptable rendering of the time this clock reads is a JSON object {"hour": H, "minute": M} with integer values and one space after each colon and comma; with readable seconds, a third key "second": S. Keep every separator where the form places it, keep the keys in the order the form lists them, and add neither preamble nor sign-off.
{"hour": 9, "minute": 11}
